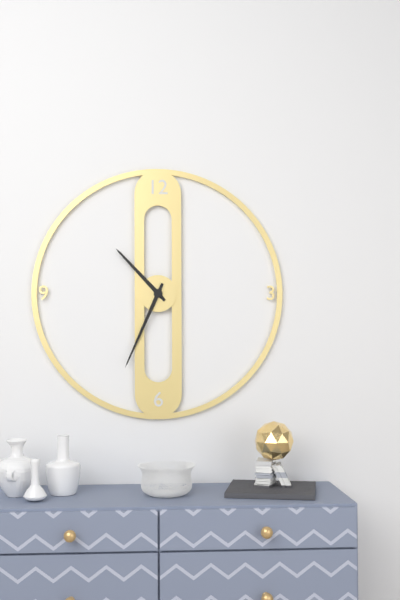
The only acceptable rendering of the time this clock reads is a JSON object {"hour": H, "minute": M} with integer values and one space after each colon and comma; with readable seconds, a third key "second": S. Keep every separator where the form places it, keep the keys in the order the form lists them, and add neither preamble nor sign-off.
{"hour": 10, "minute": 34}
